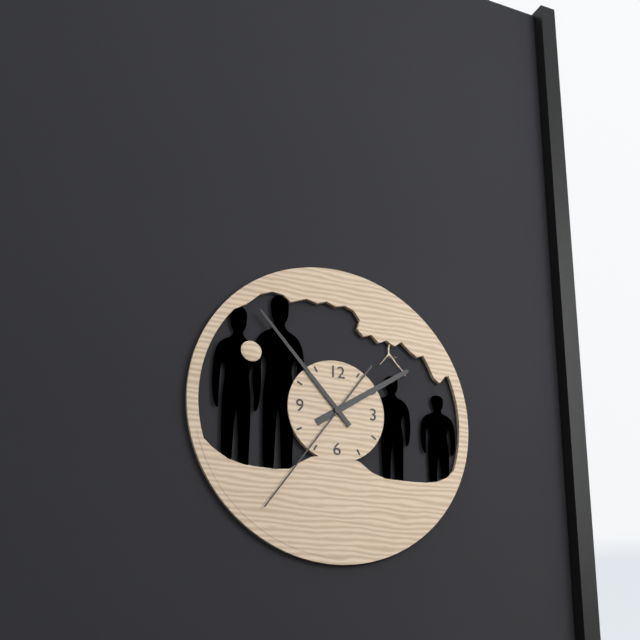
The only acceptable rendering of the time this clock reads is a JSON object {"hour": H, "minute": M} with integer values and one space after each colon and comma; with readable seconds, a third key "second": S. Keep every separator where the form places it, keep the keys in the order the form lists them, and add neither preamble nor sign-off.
{"hour": 1, "minute": 53, "second": 36}
